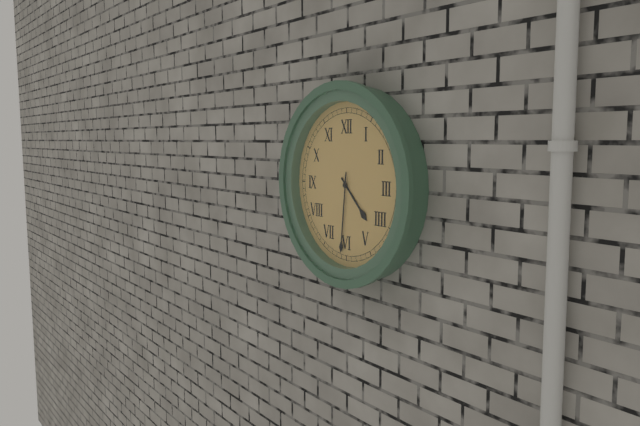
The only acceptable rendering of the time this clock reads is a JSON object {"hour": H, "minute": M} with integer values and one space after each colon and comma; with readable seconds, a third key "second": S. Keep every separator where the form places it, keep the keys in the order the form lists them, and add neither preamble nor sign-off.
{"hour": 4, "minute": 31}
